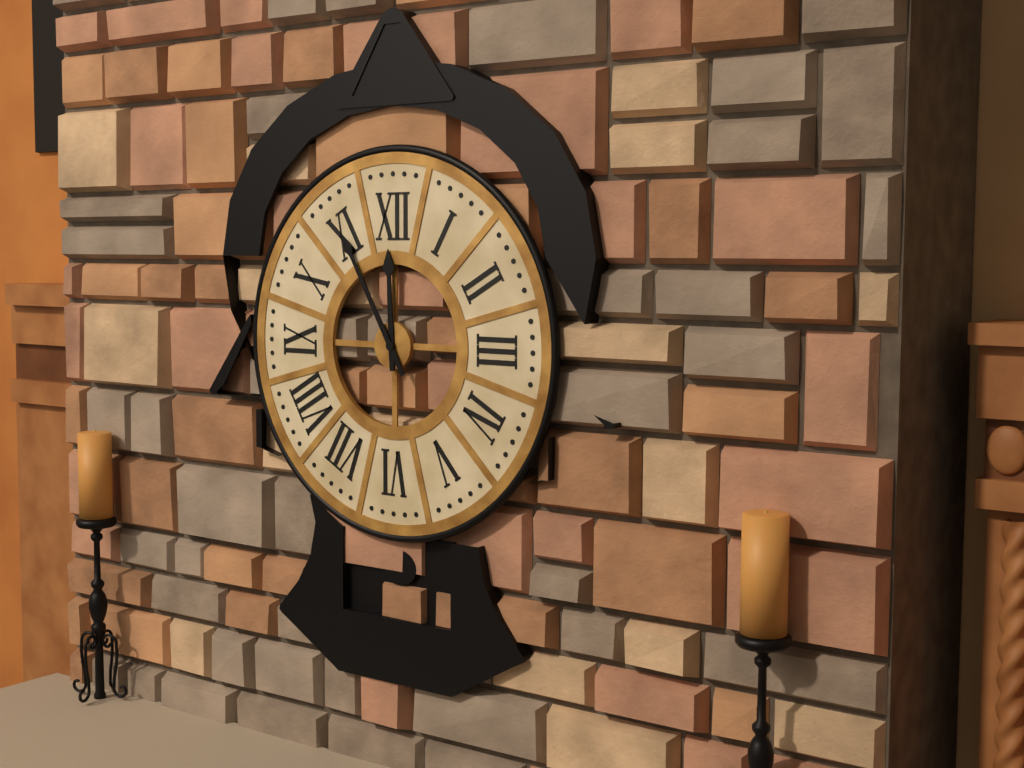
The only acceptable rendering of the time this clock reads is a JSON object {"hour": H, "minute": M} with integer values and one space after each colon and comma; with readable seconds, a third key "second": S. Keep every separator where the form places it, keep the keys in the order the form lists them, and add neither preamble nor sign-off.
{"hour": 11, "minute": 55}
